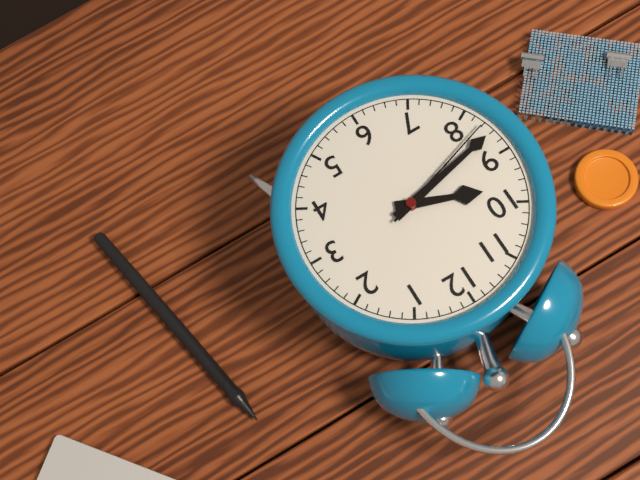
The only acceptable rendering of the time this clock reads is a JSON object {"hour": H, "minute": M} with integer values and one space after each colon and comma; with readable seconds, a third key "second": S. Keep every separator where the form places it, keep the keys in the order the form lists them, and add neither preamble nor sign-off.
{"hour": 9, "minute": 43, "second": 42}
